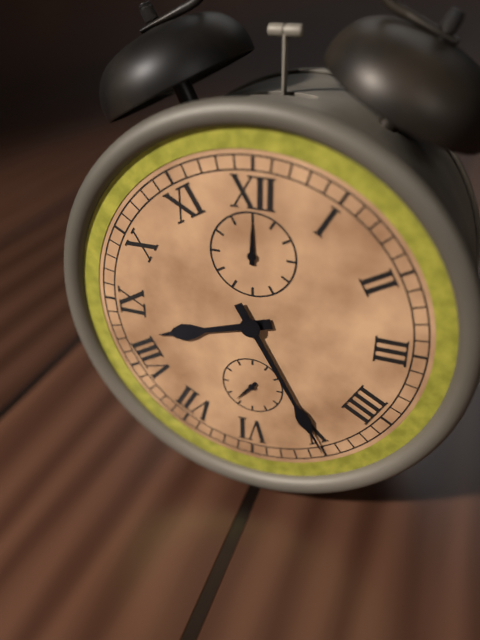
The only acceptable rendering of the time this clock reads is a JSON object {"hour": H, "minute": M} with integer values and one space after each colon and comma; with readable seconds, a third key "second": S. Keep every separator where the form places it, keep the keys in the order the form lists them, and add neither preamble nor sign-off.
{"hour": 8, "minute": 25}
